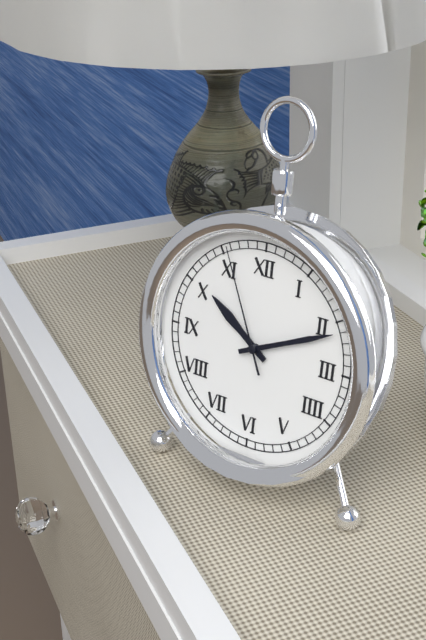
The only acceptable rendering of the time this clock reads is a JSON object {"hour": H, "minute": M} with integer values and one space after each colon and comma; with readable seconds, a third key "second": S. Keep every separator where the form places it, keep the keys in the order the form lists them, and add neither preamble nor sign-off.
{"hour": 10, "minute": 11, "second": 56}
